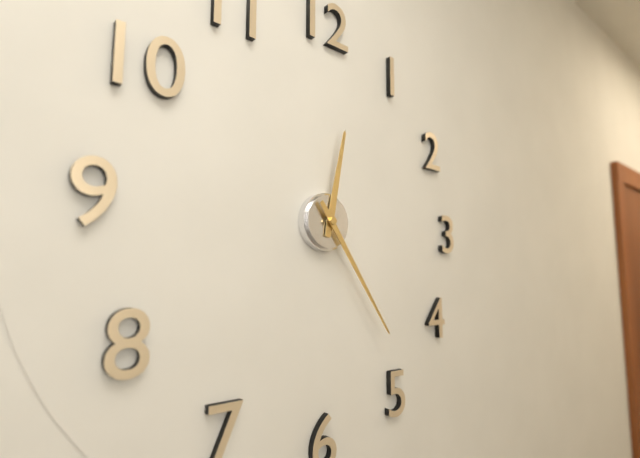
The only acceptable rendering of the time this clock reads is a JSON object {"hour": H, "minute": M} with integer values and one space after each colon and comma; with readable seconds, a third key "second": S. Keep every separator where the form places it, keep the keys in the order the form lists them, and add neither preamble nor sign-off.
{"hour": 12, "minute": 24}
